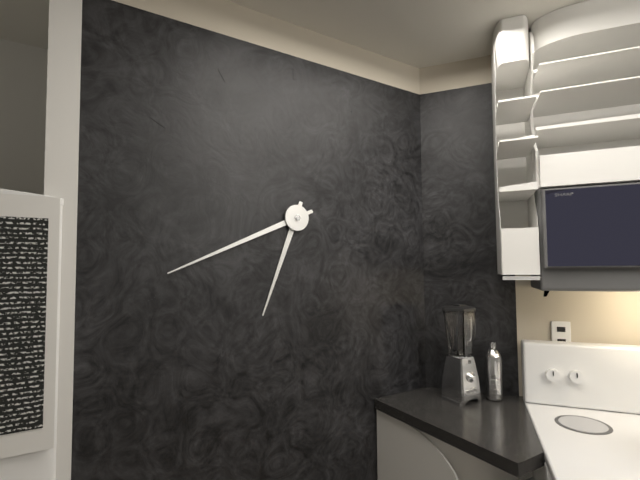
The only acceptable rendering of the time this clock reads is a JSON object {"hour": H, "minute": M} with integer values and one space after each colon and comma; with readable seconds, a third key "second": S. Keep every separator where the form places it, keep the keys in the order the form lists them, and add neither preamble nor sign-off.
{"hour": 6, "minute": 41}
